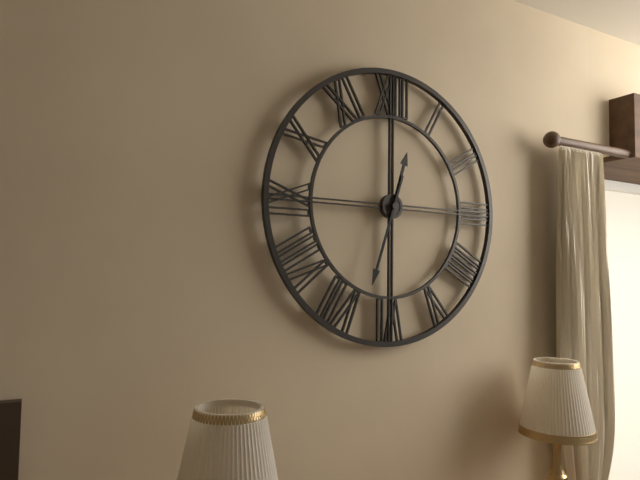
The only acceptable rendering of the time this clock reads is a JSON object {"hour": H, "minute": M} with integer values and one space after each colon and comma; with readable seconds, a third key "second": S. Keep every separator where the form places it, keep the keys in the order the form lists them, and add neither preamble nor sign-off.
{"hour": 12, "minute": 33}
